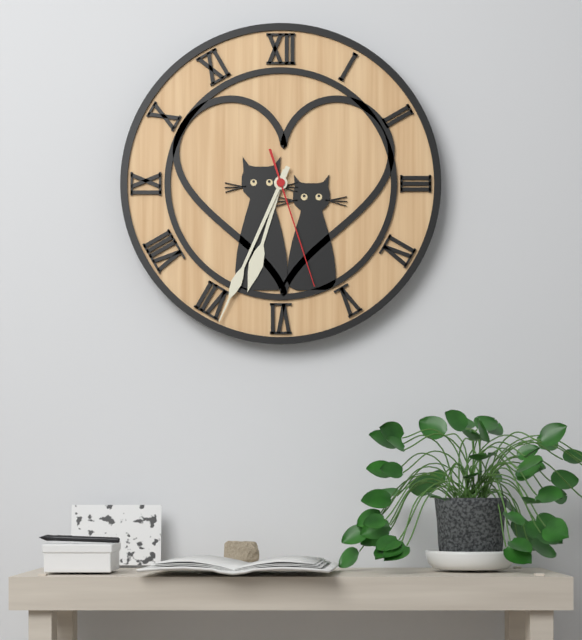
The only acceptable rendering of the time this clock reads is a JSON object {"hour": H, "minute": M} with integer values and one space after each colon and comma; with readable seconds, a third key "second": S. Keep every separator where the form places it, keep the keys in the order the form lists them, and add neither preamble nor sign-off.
{"hour": 6, "minute": 34, "second": 27}
